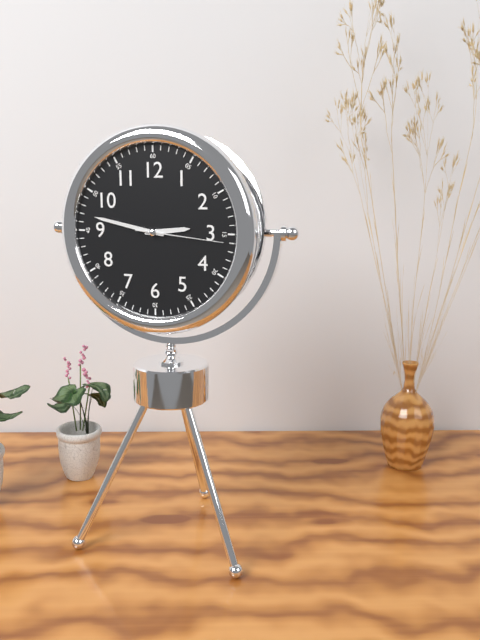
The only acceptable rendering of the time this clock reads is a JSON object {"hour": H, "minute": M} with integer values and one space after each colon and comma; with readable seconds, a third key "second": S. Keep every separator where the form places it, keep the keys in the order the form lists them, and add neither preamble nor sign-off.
{"hour": 2, "minute": 47, "second": 16}
